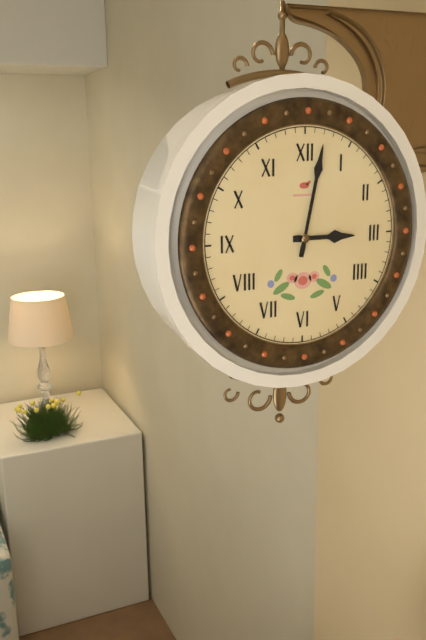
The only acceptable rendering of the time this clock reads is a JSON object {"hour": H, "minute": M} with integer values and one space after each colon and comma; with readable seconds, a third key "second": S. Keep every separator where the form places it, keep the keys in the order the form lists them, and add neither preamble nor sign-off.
{"hour": 3, "minute": 2}
